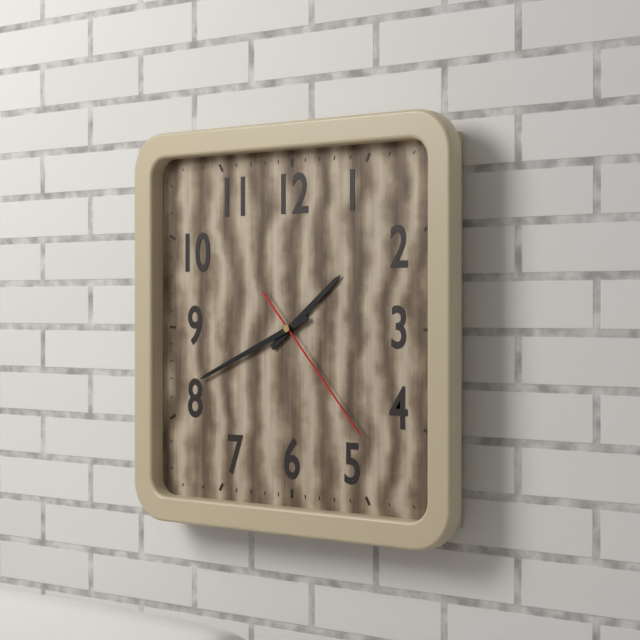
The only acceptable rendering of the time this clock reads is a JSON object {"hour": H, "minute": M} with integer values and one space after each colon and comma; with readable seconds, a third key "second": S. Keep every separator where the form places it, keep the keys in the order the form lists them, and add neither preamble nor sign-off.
{"hour": 1, "minute": 41, "second": 23}
